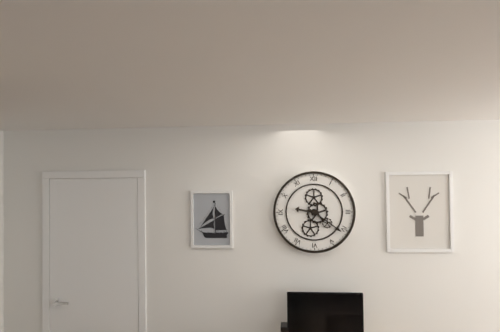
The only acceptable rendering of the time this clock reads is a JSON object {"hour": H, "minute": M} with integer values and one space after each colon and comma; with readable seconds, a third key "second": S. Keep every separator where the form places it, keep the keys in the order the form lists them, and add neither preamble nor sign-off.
{"hour": 9, "minute": 21}
